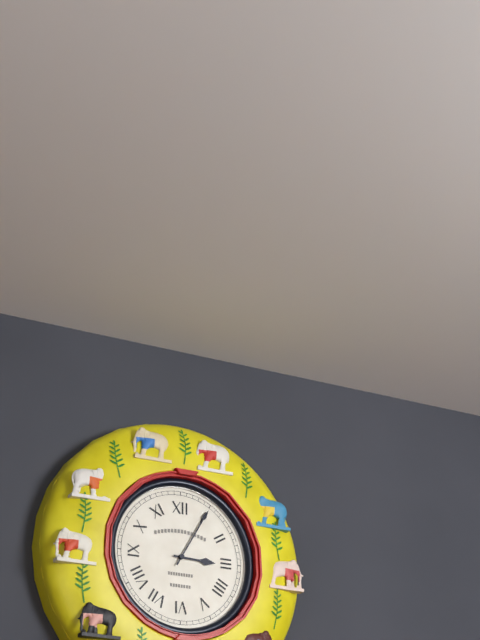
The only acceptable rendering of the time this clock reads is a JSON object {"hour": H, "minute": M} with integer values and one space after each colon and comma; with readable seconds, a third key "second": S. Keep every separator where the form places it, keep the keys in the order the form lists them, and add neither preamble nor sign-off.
{"hour": 3, "minute": 5}
